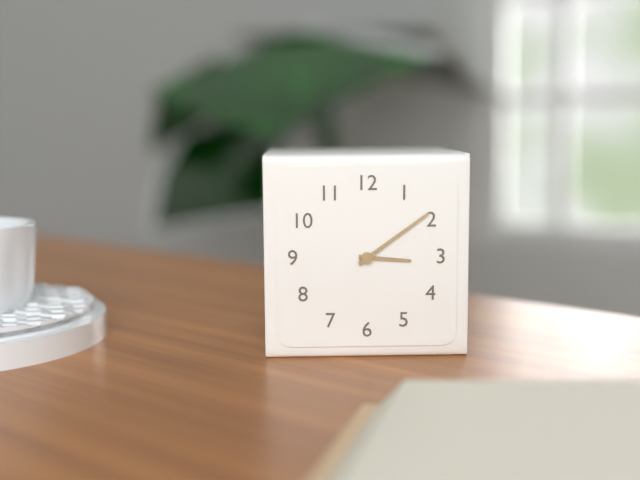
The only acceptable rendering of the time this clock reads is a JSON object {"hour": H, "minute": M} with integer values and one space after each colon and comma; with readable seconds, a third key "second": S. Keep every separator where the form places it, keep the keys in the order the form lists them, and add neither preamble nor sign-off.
{"hour": 3, "minute": 9}
